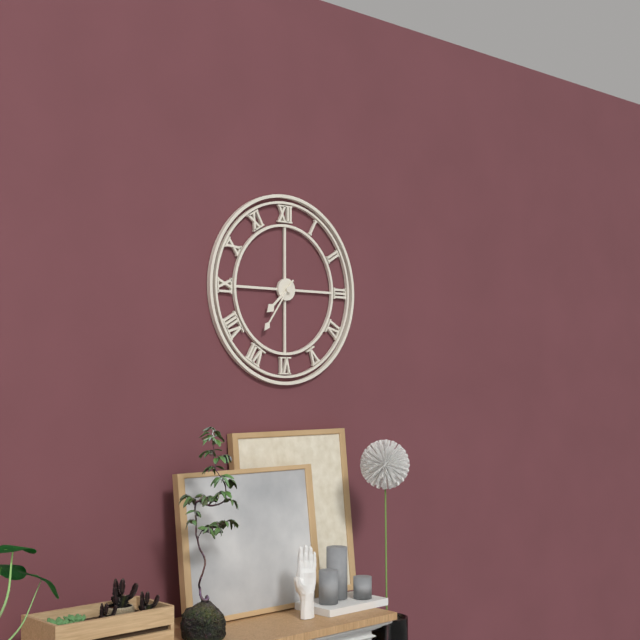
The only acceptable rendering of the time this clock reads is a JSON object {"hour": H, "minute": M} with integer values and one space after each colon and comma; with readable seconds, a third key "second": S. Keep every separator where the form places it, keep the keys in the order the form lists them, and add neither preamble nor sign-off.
{"hour": 7, "minute": 36}
